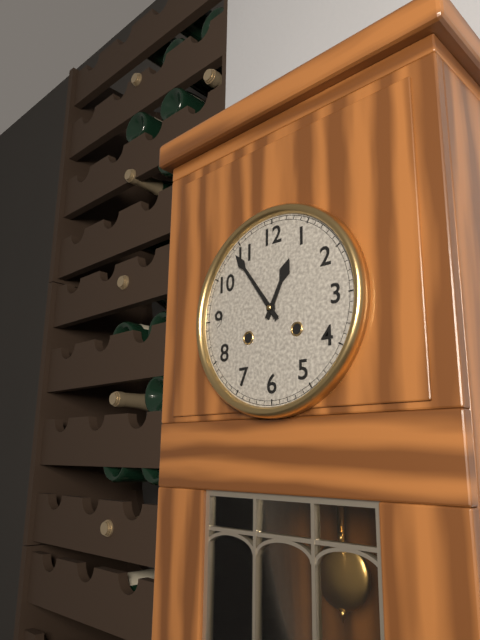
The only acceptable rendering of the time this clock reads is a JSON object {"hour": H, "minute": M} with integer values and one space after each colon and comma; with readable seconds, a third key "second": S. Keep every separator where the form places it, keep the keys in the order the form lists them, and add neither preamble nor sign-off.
{"hour": 12, "minute": 54}
